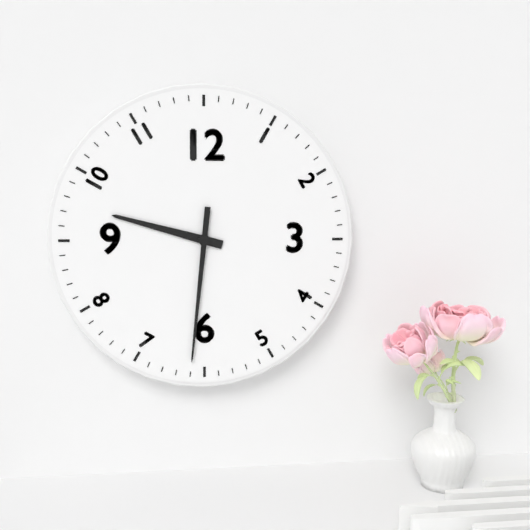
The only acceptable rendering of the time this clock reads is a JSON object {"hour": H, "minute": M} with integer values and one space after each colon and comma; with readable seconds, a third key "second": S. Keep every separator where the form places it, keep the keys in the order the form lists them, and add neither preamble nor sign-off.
{"hour": 9, "minute": 31}
